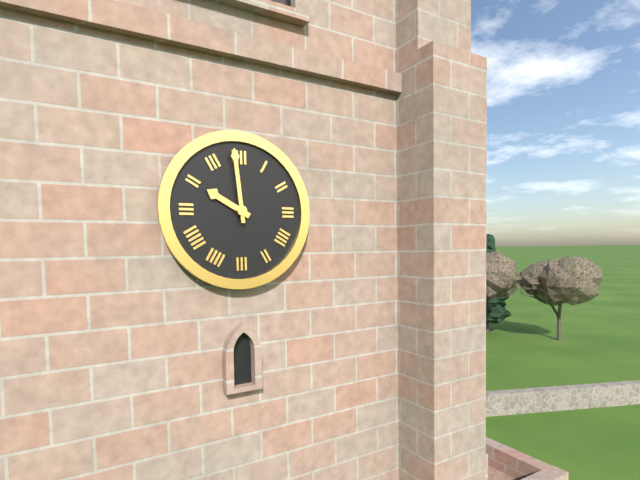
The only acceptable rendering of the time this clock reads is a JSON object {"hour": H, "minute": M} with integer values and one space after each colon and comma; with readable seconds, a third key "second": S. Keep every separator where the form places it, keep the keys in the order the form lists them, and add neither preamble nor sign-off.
{"hour": 9, "minute": 59}
